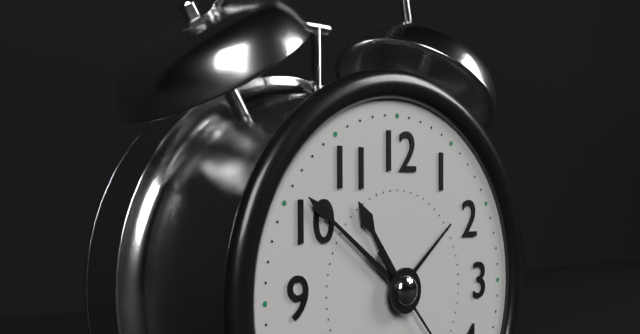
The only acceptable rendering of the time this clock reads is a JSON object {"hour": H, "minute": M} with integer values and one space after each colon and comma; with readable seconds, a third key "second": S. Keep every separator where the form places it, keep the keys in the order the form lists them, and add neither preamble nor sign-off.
{"hour": 10, "minute": 51}
